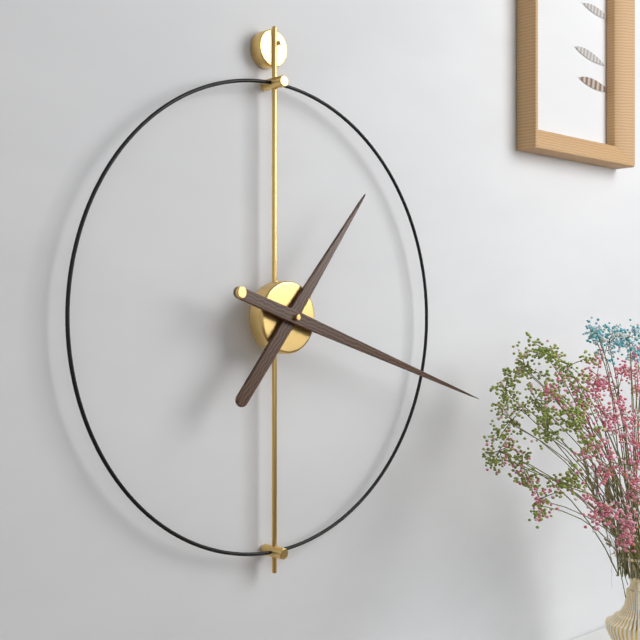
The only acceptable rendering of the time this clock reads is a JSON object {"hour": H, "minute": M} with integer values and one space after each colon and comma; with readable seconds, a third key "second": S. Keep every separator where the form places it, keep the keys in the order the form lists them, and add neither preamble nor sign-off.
{"hour": 1, "minute": 18}
